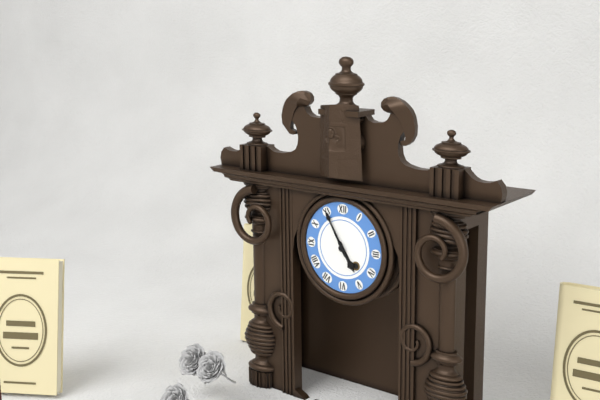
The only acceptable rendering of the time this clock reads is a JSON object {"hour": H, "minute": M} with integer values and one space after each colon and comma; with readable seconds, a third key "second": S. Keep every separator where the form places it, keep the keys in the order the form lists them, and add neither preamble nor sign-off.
{"hour": 4, "minute": 55}
